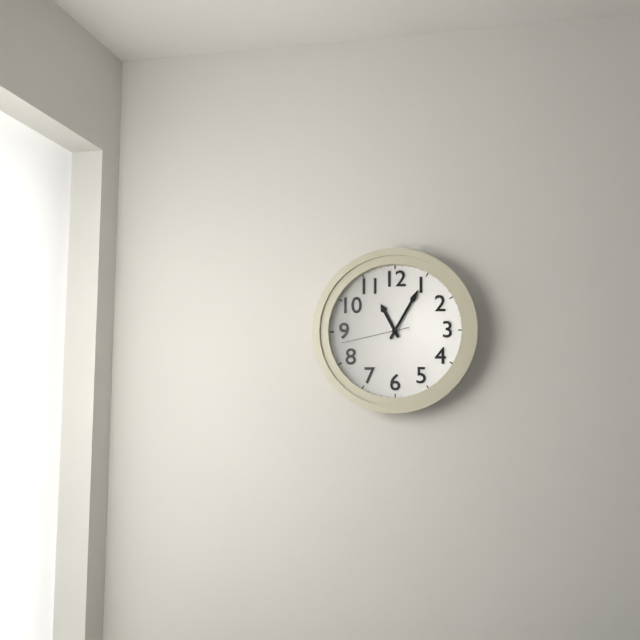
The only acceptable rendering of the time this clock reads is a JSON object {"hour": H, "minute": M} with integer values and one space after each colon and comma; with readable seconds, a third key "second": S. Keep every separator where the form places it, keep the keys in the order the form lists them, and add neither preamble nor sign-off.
{"hour": 11, "minute": 5, "second": 43}
